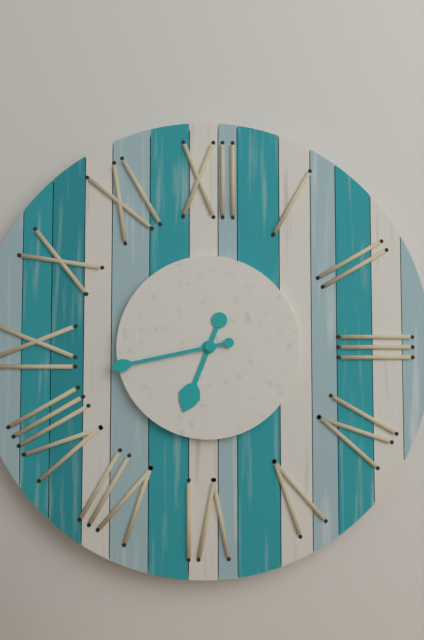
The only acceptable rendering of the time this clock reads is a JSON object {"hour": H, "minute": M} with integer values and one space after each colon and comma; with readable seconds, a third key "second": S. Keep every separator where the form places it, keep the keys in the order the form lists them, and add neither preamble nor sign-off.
{"hour": 6, "minute": 43}
